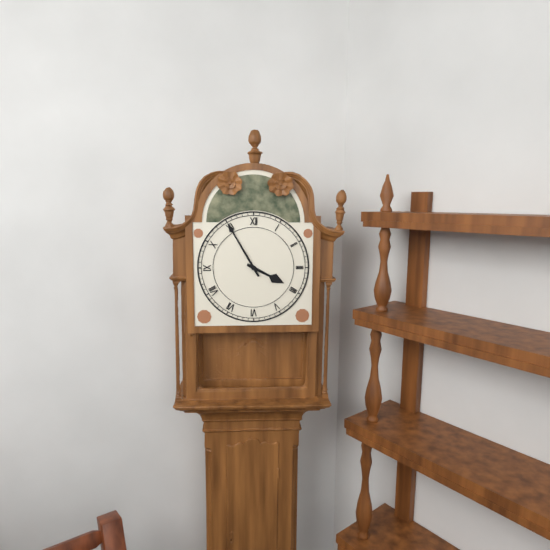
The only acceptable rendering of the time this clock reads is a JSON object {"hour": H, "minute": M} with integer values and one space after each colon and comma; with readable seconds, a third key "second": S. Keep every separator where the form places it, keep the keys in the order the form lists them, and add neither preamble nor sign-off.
{"hour": 3, "minute": 55}
